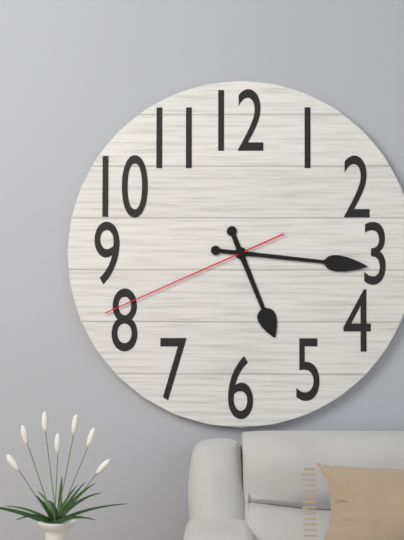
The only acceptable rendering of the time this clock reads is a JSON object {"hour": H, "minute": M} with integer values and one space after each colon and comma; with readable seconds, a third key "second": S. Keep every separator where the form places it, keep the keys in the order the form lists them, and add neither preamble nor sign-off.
{"hour": 5, "minute": 16, "second": 41}
